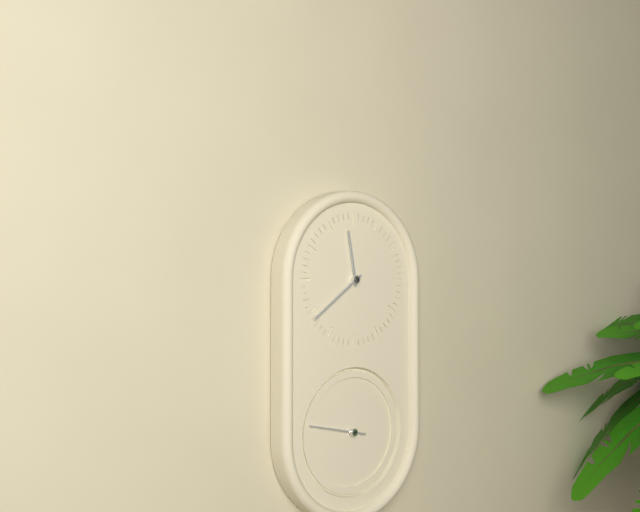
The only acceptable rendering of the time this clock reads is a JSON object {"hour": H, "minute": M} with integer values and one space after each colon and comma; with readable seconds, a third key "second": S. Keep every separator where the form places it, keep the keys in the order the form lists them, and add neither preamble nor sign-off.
{"hour": 11, "minute": 39}
